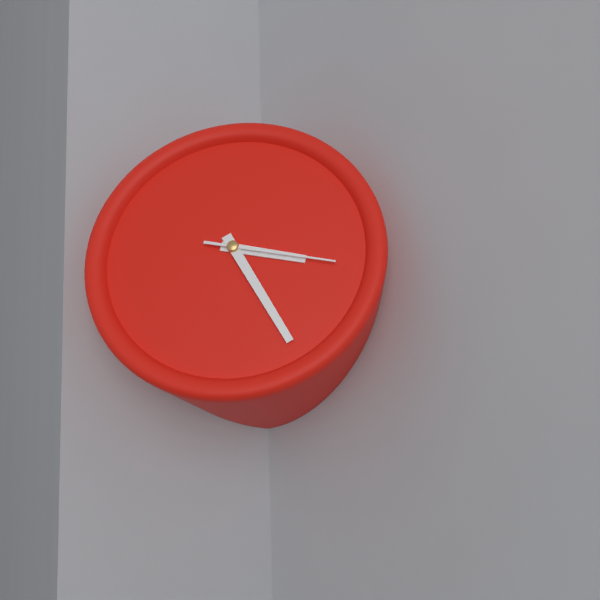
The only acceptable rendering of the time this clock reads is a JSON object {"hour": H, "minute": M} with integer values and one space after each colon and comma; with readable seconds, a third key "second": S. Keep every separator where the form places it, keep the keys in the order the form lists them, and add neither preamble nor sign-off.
{"hour": 3, "minute": 25, "second": 17}
